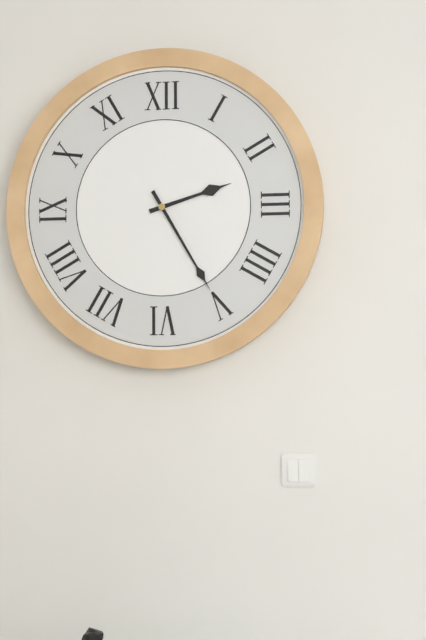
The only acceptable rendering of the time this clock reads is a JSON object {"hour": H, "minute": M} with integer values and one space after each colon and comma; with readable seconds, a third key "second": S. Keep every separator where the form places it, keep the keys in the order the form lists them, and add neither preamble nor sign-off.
{"hour": 2, "minute": 25}
